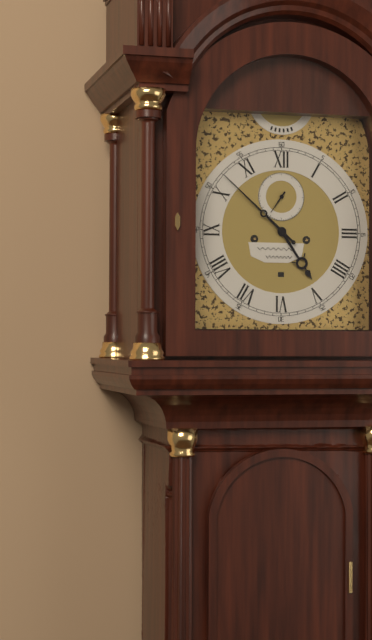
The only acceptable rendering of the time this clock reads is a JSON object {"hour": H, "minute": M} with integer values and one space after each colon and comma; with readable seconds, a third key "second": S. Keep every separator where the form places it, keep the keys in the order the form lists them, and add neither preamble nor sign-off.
{"hour": 4, "minute": 52}
